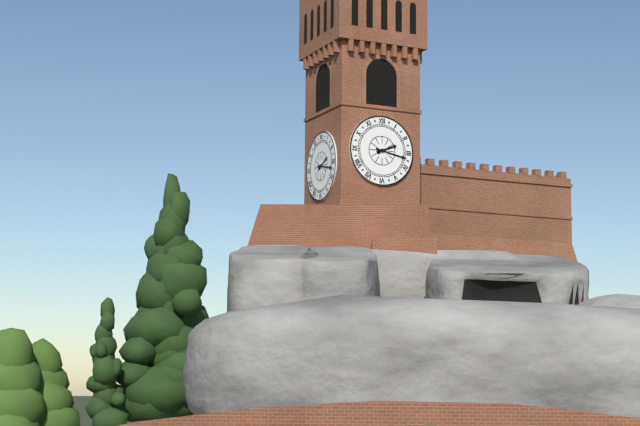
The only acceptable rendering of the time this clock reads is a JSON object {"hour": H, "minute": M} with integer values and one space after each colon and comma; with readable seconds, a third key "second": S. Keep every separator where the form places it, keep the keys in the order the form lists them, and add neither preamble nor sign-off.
{"hour": 2, "minute": 17}
